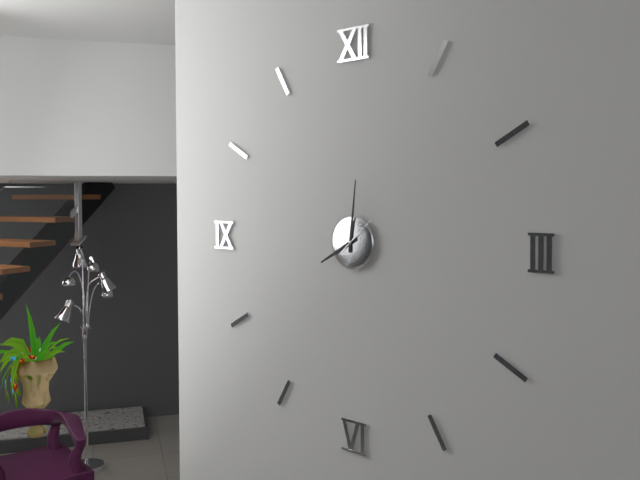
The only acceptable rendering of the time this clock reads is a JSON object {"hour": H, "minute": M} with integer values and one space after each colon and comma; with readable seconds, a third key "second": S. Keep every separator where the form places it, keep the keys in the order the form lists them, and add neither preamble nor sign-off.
{"hour": 8, "minute": 1}
